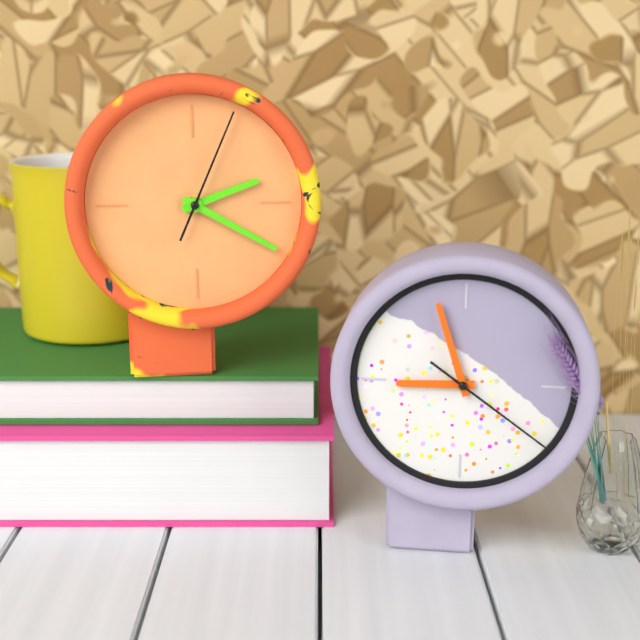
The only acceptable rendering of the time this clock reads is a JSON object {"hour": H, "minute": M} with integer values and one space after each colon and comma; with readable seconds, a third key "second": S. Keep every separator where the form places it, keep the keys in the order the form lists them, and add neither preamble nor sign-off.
{"hour": 2, "minute": 20, "second": 4}
